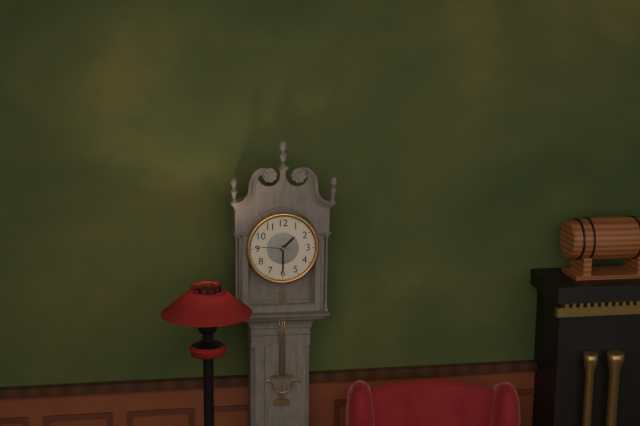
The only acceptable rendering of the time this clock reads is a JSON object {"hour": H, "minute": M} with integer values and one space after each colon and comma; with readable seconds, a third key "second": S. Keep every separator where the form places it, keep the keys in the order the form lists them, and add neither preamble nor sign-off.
{"hour": 1, "minute": 30}
